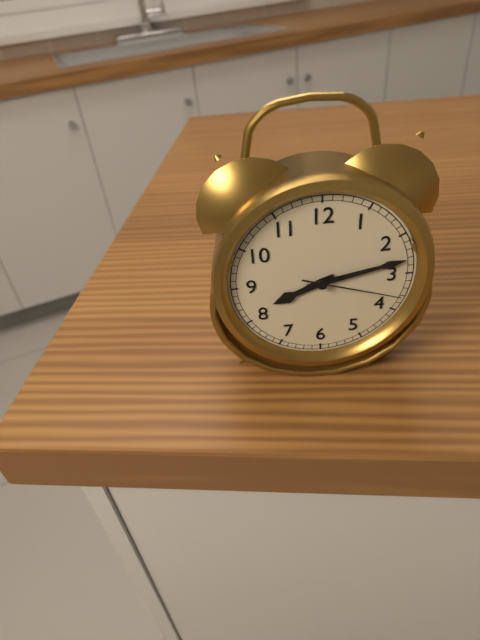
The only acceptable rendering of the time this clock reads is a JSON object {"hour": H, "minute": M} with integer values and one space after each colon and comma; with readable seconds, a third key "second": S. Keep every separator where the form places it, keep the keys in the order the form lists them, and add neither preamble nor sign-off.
{"hour": 8, "minute": 13, "second": 18}
